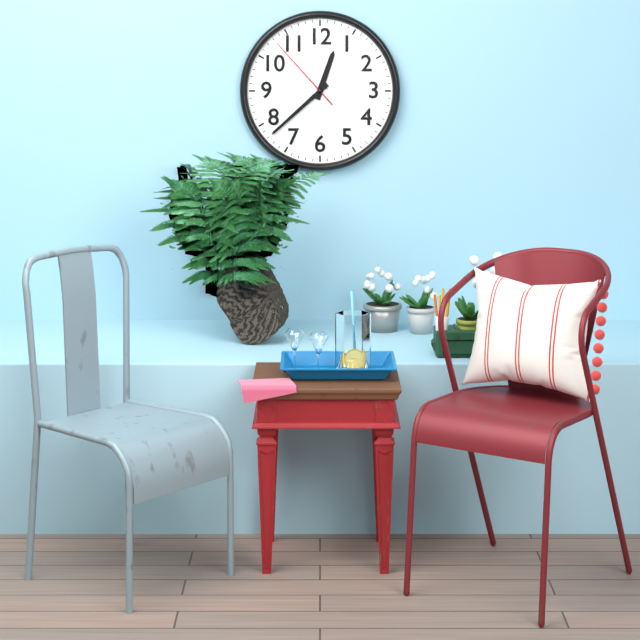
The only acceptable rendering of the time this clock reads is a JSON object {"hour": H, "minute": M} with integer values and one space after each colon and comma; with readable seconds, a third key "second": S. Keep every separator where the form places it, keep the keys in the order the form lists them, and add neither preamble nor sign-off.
{"hour": 12, "minute": 38, "second": 53}
